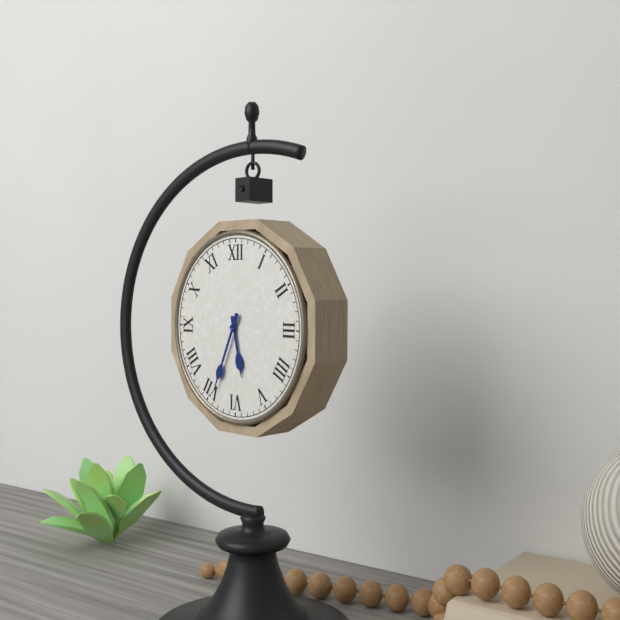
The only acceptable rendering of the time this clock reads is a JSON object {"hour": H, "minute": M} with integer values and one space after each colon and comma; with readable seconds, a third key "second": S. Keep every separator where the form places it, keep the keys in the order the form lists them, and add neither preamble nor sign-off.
{"hour": 5, "minute": 34}
